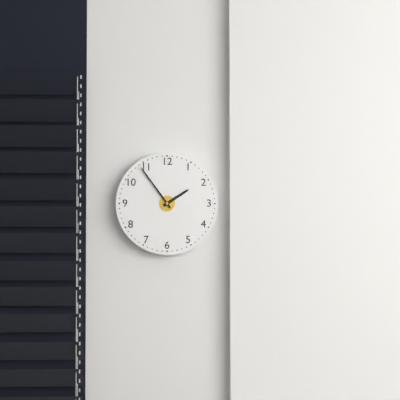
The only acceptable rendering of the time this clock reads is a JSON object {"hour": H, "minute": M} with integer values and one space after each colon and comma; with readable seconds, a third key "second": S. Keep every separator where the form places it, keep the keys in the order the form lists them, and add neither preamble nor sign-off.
{"hour": 1, "minute": 54}
